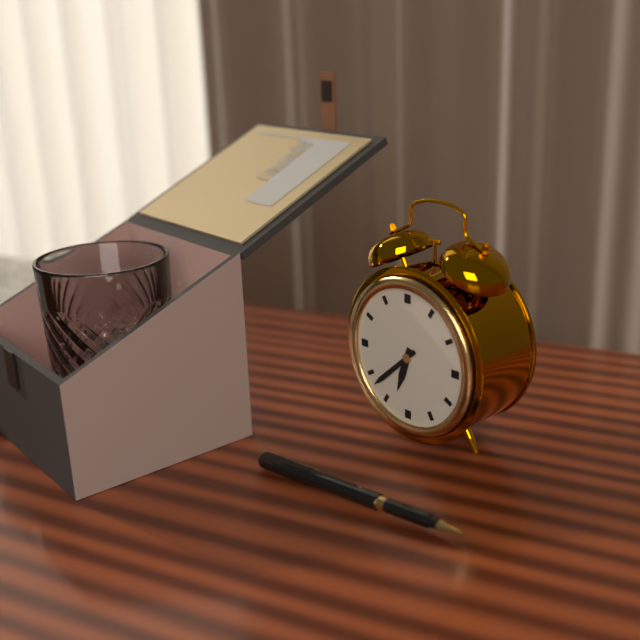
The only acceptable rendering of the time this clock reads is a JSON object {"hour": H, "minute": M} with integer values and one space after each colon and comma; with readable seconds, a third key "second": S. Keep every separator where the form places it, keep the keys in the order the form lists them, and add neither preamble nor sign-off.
{"hour": 6, "minute": 38}
